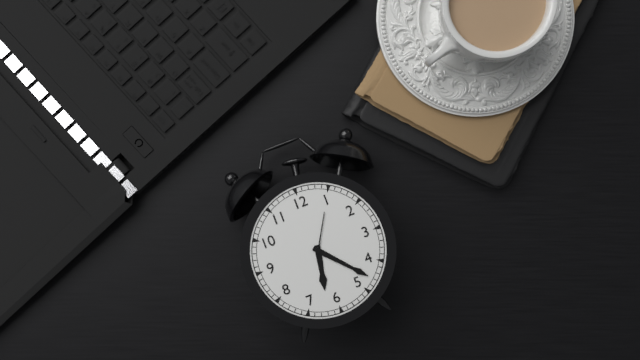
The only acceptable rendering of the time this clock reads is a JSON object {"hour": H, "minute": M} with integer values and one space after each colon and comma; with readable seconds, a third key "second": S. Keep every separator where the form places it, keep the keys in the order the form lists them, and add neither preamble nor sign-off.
{"hour": 6, "minute": 23}
